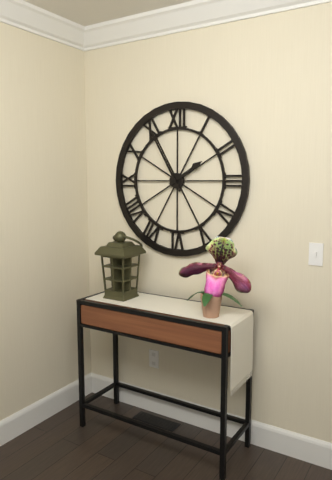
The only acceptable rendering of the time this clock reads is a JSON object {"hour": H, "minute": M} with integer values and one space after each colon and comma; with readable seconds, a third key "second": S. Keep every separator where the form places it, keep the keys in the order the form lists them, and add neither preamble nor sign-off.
{"hour": 1, "minute": 55}
